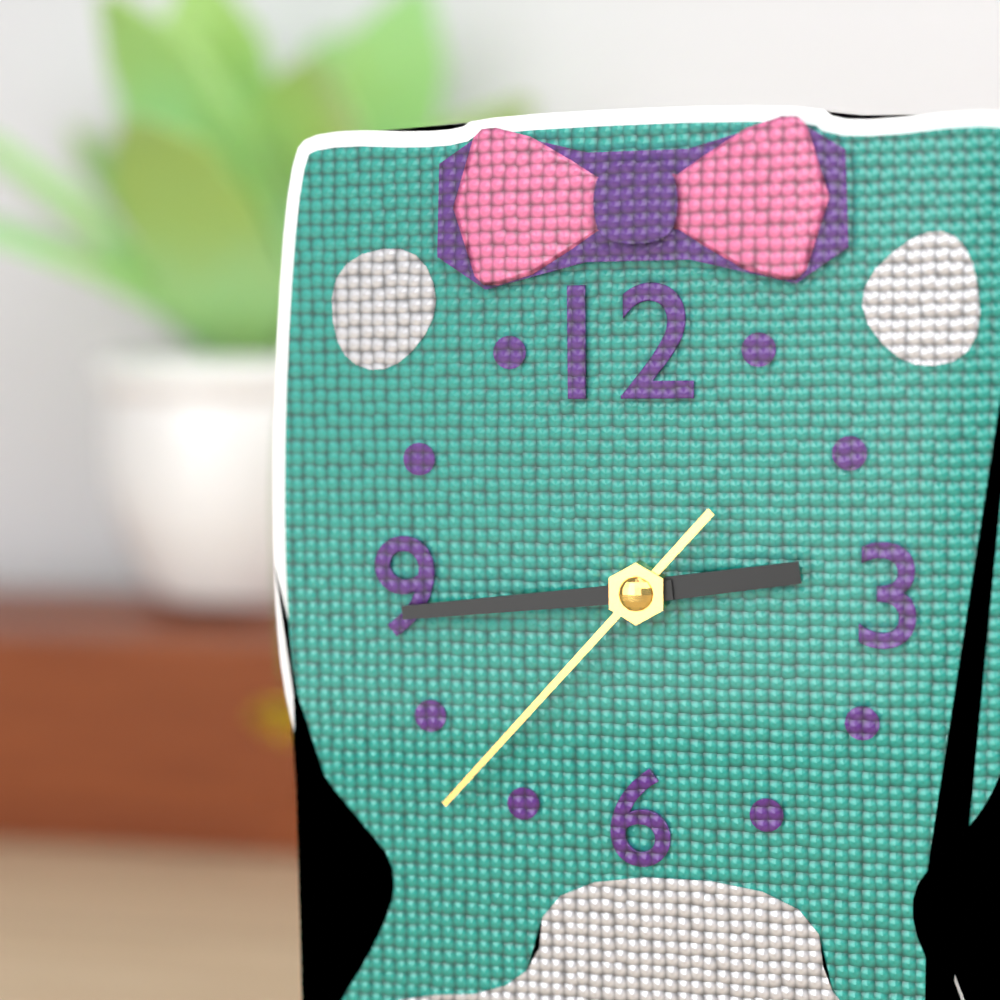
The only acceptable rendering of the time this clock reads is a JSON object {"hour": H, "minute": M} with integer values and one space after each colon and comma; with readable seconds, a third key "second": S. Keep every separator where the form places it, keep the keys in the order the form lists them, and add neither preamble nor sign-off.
{"hour": 2, "minute": 44, "second": 37}
